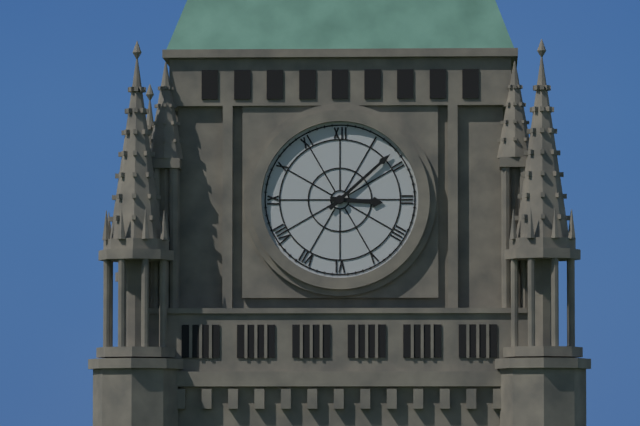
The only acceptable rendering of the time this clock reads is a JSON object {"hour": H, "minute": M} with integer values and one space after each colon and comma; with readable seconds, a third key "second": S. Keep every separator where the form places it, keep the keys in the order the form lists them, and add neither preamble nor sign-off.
{"hour": 3, "minute": 8}
